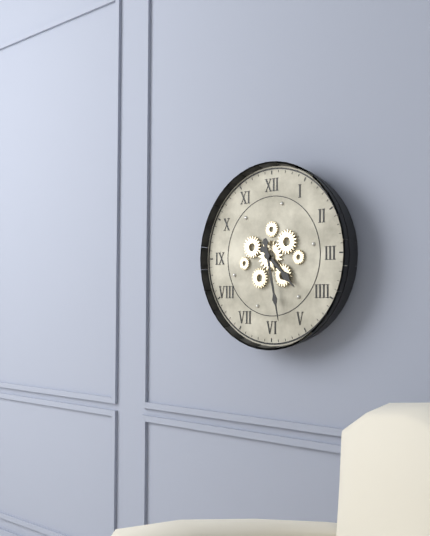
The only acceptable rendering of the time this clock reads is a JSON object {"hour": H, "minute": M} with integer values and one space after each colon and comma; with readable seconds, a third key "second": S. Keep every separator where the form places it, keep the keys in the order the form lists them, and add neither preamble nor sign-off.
{"hour": 4, "minute": 28}
